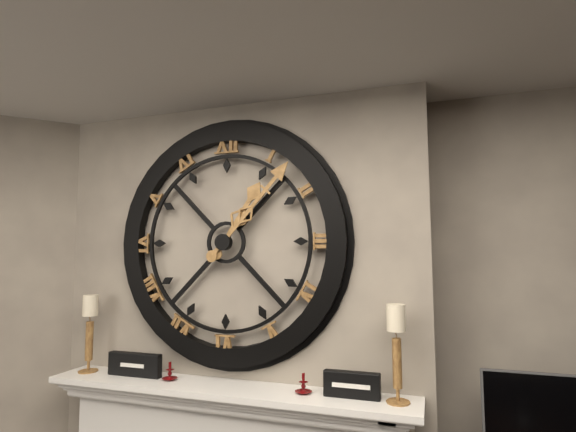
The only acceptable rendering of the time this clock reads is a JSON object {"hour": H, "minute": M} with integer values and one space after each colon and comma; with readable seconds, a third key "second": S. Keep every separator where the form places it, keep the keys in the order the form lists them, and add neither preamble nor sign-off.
{"hour": 1, "minute": 7}
